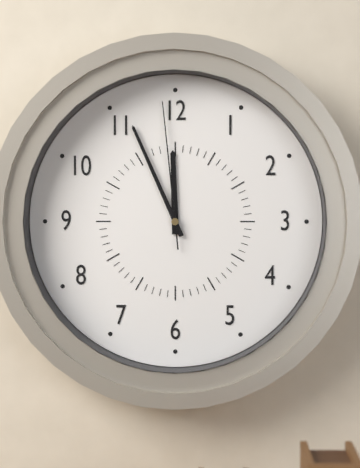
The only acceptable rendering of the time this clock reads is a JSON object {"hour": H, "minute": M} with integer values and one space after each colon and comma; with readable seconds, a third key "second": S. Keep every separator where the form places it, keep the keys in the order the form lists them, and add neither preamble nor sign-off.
{"hour": 11, "minute": 56, "second": 59}
